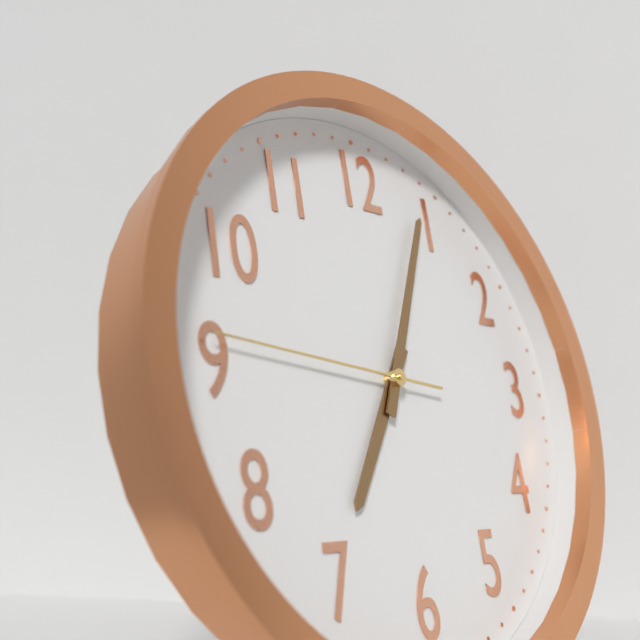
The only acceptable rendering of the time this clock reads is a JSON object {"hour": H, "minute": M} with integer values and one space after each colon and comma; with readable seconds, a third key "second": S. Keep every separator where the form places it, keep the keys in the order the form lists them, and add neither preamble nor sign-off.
{"hour": 7, "minute": 4, "second": 46}
